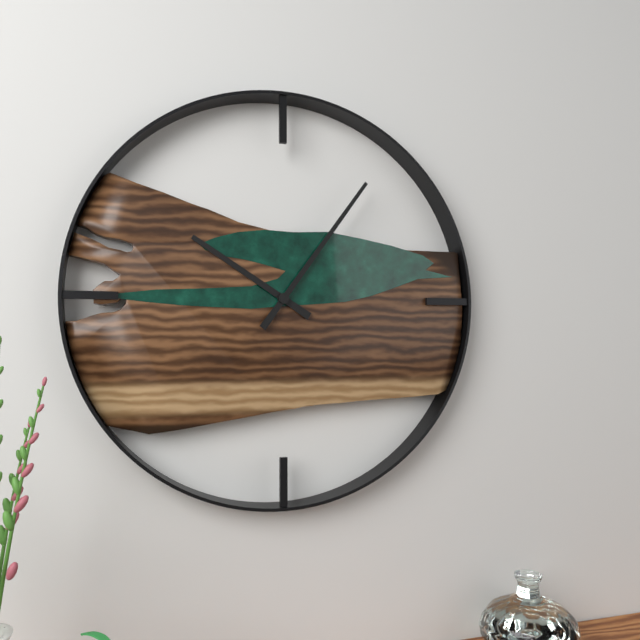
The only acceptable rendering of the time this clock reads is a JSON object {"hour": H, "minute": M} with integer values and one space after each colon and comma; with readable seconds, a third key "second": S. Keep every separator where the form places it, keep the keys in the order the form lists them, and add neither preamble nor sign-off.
{"hour": 10, "minute": 6}
